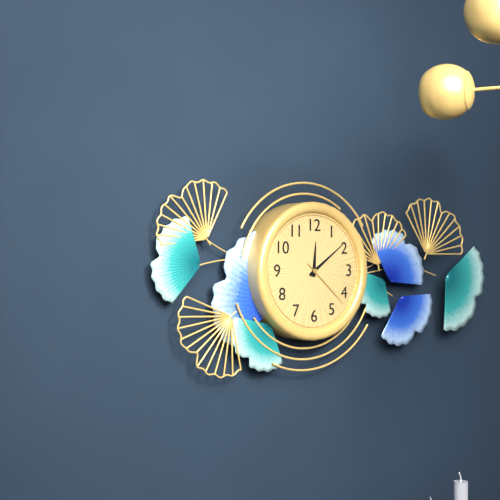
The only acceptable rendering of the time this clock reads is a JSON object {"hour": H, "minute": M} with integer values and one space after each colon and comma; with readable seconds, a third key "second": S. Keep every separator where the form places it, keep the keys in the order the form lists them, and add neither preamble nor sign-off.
{"hour": 12, "minute": 9, "second": 22}
